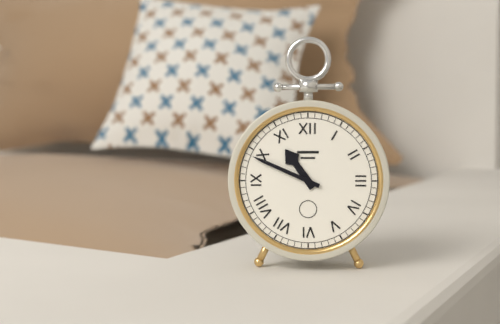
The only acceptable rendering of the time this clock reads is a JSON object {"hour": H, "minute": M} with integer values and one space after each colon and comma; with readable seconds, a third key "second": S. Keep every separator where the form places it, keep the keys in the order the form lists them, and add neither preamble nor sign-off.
{"hour": 10, "minute": 49}
